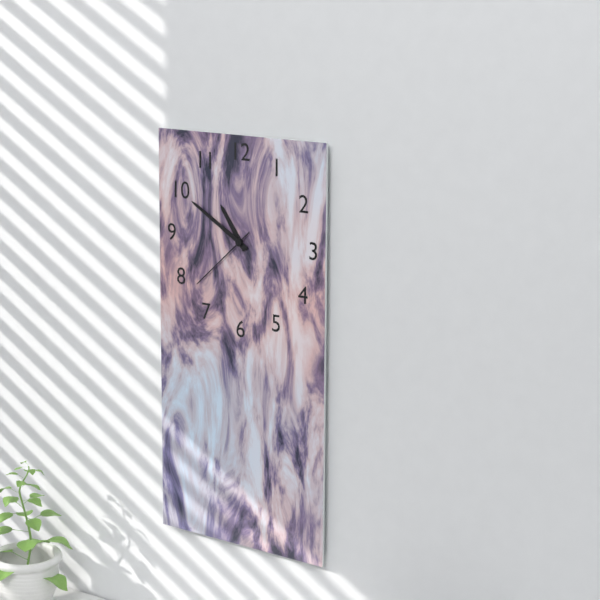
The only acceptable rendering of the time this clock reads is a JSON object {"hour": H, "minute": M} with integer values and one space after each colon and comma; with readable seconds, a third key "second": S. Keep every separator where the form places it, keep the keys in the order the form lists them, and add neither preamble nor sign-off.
{"hour": 10, "minute": 50, "second": 38}
